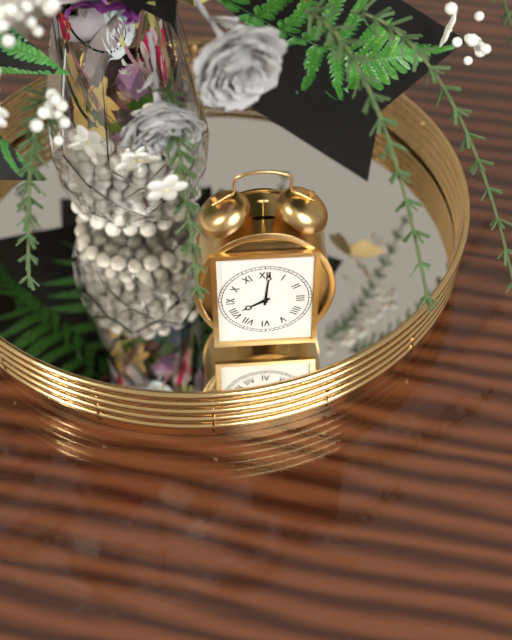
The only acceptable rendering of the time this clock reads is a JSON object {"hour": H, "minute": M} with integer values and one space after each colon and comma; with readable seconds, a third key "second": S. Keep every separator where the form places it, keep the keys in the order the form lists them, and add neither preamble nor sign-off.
{"hour": 8, "minute": 1}
